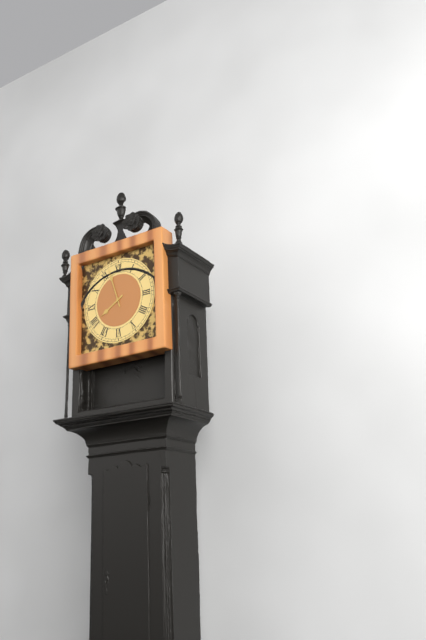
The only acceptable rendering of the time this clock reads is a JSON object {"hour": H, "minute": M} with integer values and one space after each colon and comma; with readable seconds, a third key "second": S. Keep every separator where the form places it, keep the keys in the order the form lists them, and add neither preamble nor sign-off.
{"hour": 7, "minute": 57}
